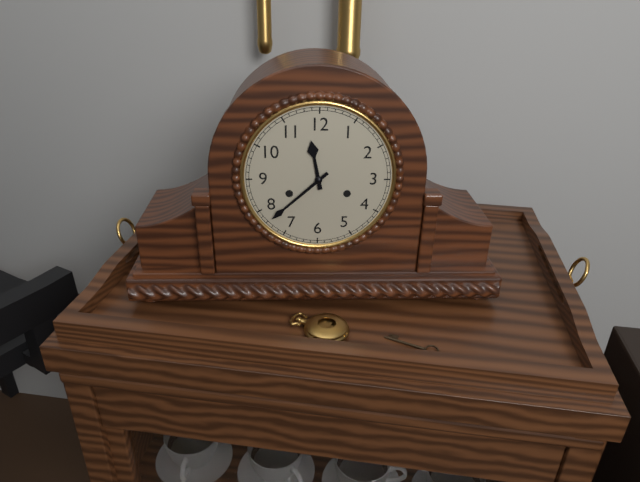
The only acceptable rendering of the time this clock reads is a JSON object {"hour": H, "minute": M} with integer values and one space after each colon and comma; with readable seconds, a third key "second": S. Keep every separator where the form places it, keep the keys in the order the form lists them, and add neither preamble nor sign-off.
{"hour": 11, "minute": 38}
